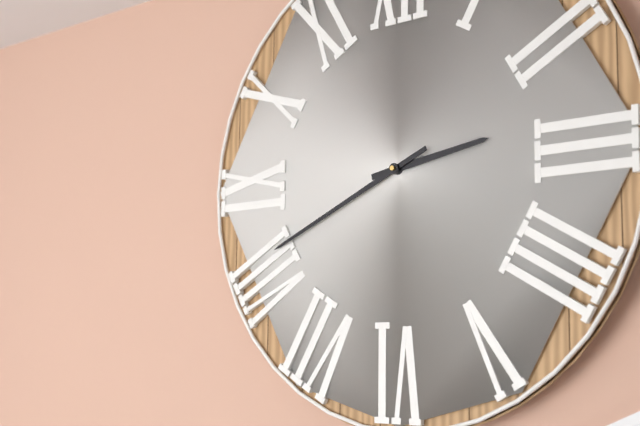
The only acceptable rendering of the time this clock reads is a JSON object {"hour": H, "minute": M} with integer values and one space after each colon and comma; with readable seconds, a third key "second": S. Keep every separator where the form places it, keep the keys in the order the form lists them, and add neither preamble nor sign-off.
{"hour": 2, "minute": 41}
